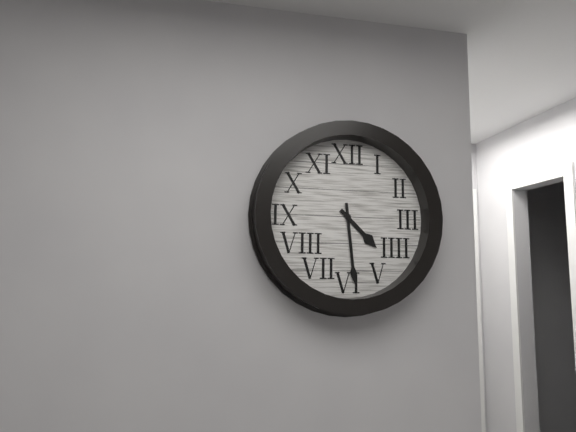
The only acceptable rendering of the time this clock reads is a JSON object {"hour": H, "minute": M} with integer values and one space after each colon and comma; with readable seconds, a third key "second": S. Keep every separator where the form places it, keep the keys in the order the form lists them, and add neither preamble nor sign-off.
{"hour": 4, "minute": 29}
